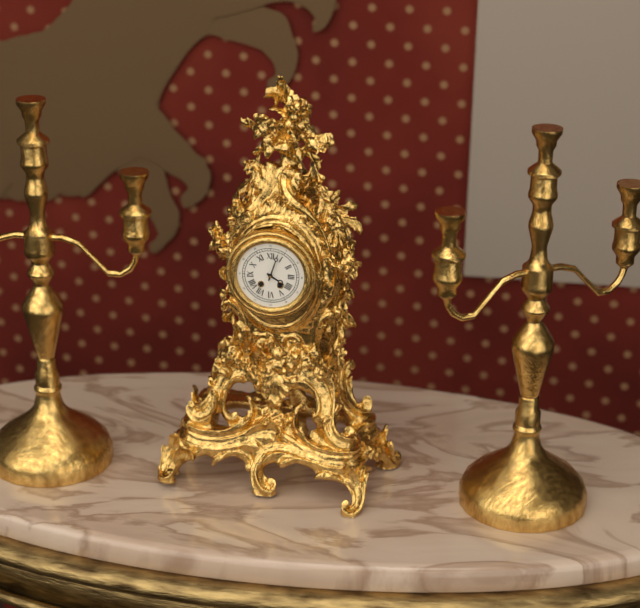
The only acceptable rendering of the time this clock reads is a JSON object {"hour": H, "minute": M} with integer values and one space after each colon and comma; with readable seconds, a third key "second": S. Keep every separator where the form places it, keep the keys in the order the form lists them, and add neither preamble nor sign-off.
{"hour": 4, "minute": 3}
